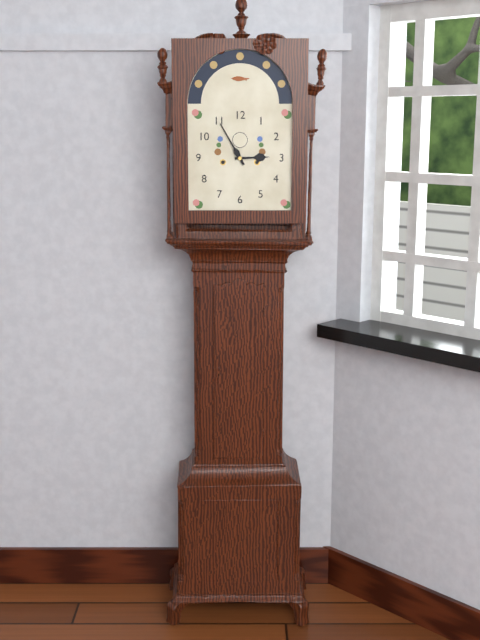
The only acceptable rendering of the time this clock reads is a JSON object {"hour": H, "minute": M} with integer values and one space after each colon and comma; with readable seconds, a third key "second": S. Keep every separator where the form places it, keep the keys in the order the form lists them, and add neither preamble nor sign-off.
{"hour": 2, "minute": 55}
